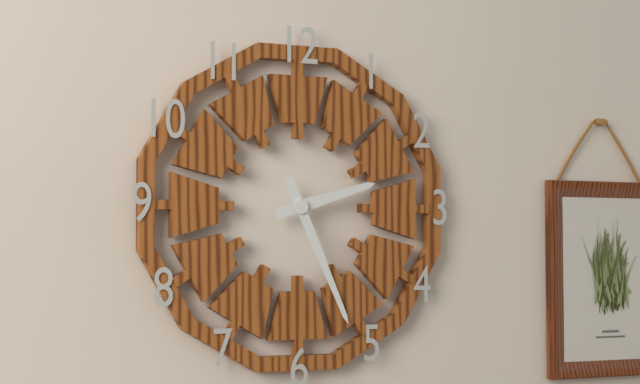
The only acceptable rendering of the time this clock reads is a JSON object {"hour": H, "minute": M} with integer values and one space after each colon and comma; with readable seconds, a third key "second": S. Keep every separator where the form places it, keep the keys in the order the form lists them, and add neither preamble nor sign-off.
{"hour": 2, "minute": 26}
